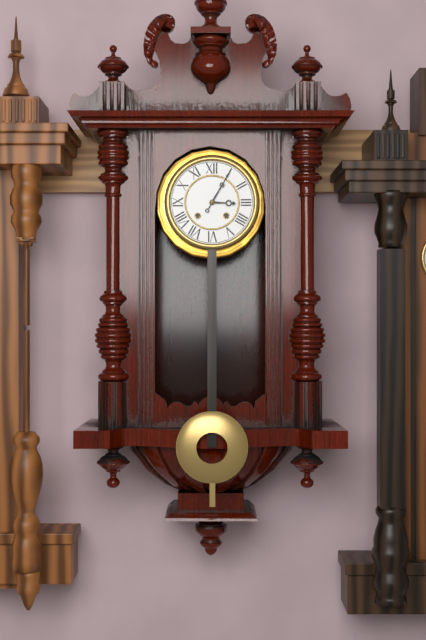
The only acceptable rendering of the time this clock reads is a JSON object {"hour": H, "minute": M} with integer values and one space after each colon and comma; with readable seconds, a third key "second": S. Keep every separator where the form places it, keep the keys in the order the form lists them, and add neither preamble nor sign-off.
{"hour": 3, "minute": 5}
